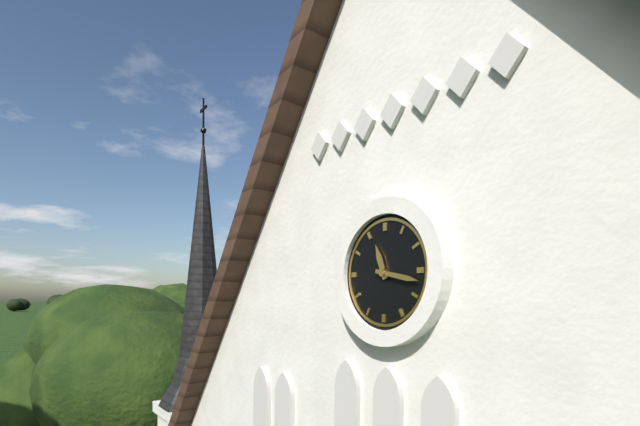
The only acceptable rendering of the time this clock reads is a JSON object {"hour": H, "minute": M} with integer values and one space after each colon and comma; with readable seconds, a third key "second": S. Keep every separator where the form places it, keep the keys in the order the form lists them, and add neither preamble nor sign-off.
{"hour": 11, "minute": 17}
